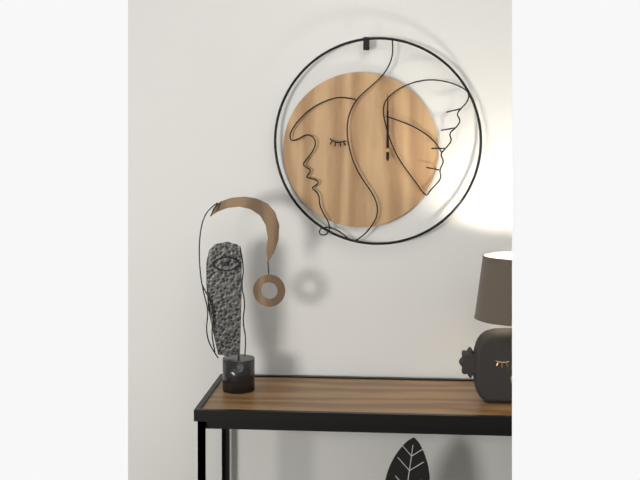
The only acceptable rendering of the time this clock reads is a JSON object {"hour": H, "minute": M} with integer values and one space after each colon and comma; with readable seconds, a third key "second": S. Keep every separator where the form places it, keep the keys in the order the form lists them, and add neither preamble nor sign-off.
{"hour": 12, "minute": 0}
